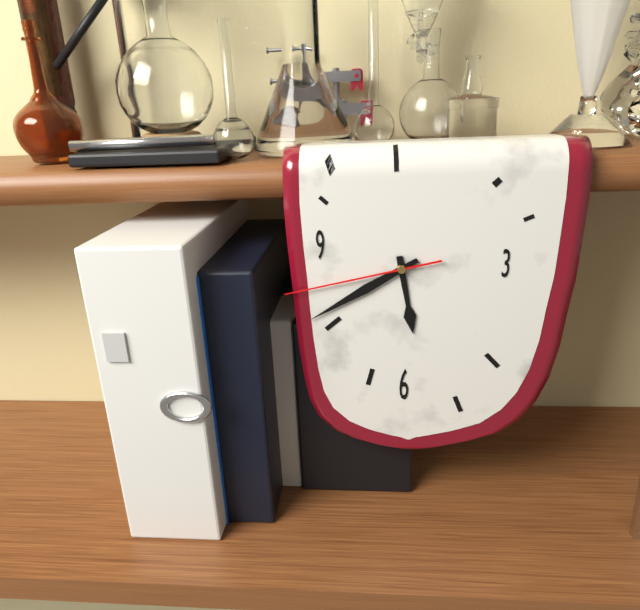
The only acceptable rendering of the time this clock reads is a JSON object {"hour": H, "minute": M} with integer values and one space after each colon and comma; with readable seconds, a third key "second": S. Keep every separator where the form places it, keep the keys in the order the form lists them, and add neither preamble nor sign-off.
{"hour": 5, "minute": 40, "second": 43}
